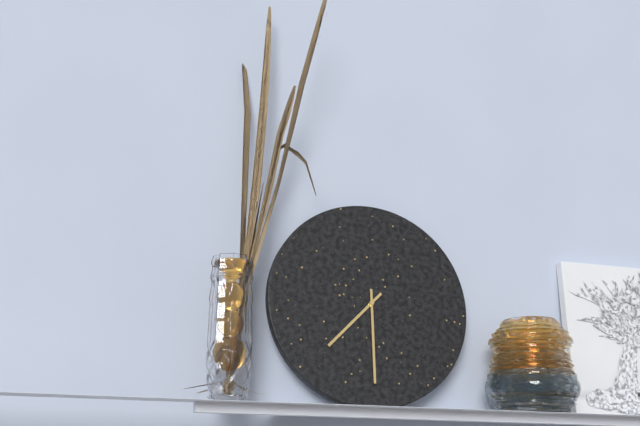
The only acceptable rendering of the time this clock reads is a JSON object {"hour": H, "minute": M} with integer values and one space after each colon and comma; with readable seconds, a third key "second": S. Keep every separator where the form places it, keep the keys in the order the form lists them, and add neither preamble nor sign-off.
{"hour": 7, "minute": 30}
